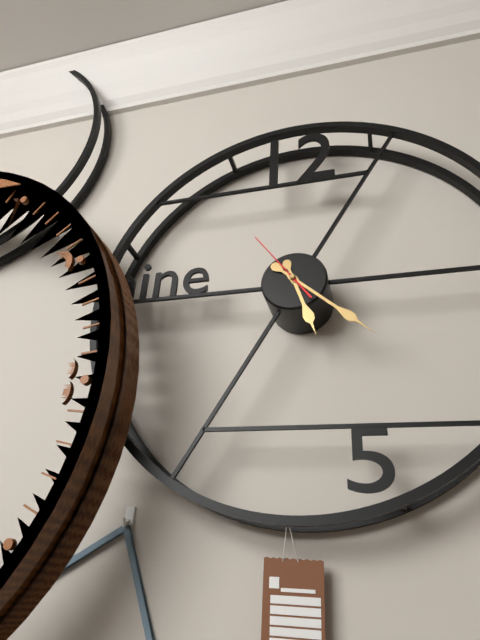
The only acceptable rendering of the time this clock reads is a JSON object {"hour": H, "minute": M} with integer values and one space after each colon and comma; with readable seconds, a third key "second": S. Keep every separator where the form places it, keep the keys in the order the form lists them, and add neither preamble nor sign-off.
{"hour": 5, "minute": 22, "second": 54}
